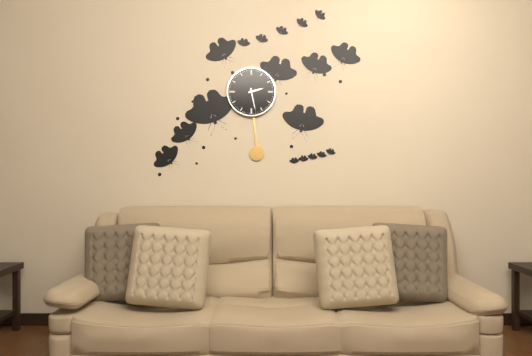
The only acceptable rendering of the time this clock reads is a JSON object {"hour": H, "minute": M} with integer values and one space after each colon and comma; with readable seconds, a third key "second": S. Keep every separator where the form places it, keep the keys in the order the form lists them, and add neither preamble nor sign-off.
{"hour": 2, "minute": 28}
